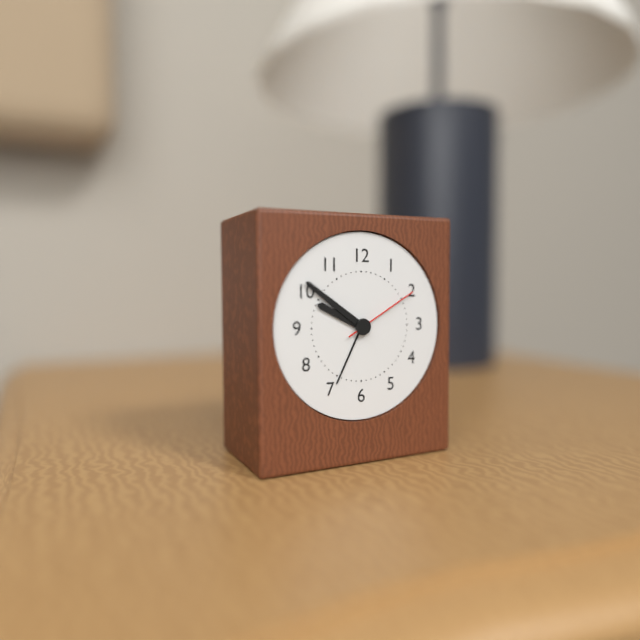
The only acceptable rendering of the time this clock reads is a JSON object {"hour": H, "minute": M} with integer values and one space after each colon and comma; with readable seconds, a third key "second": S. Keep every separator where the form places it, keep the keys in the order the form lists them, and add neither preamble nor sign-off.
{"hour": 9, "minute": 51, "second": 10}
